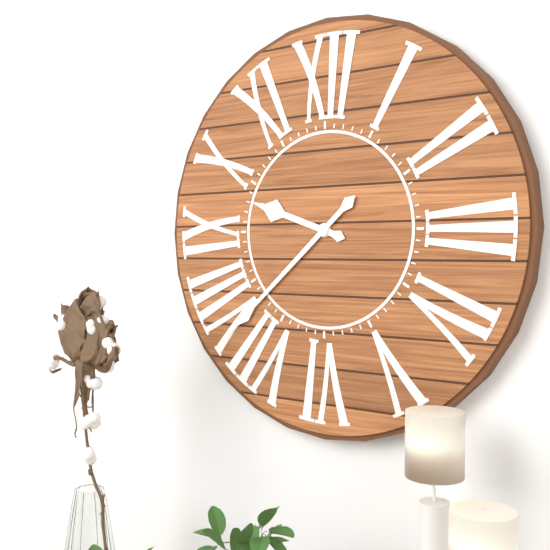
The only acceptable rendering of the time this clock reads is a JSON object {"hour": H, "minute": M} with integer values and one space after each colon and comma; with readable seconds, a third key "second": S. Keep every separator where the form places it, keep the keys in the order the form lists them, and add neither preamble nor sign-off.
{"hour": 9, "minute": 38}
